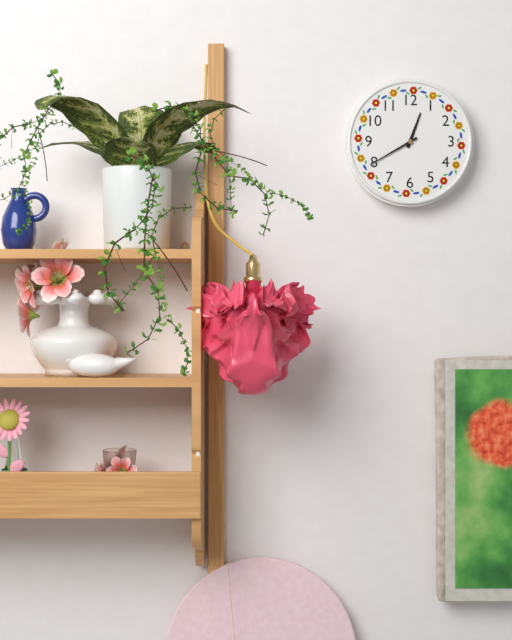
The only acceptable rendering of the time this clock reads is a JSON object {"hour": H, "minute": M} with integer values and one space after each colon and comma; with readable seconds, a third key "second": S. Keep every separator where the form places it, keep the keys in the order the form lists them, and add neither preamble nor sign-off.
{"hour": 12, "minute": 40}
